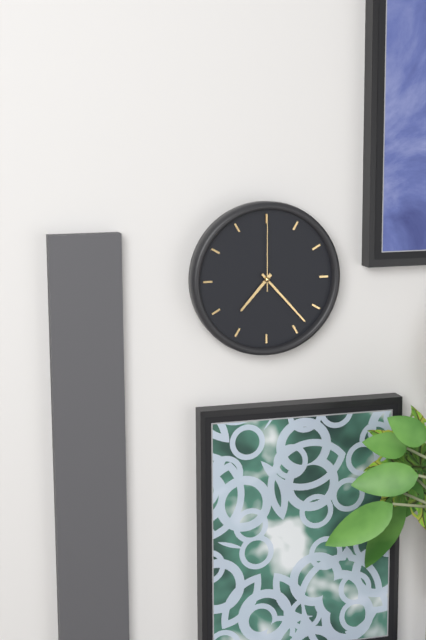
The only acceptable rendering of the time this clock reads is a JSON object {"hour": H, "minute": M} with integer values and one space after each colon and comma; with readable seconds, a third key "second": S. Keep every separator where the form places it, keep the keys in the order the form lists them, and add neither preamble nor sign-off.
{"hour": 7, "minute": 23, "second": 0}
